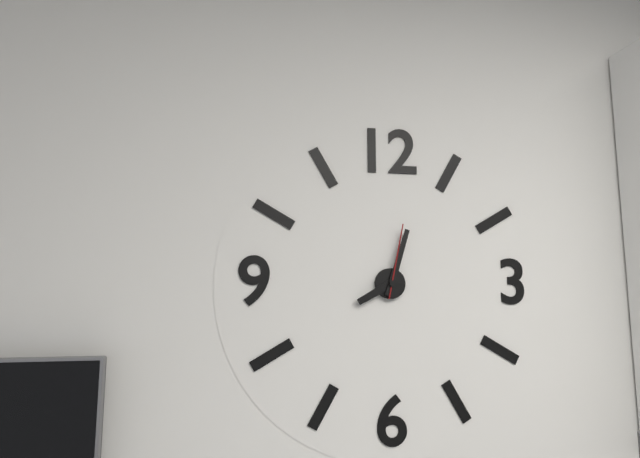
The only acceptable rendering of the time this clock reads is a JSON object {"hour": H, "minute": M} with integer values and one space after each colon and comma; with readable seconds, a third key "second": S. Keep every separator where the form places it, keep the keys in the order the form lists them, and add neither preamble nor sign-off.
{"hour": 8, "minute": 3, "second": 2}
